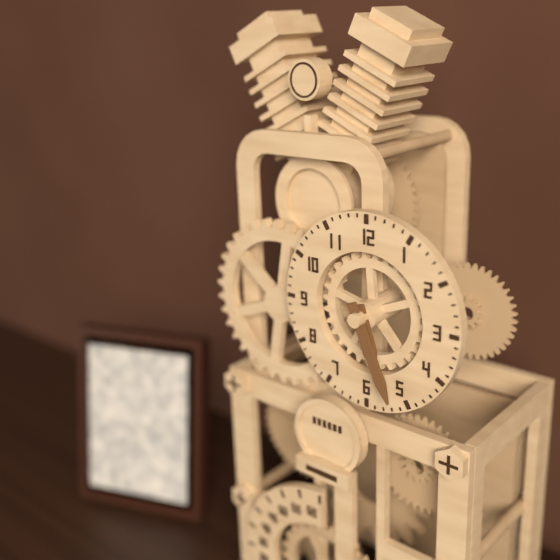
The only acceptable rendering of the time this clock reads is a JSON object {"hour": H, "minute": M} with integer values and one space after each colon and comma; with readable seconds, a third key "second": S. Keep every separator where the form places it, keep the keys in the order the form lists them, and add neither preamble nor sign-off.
{"hour": 5, "minute": 26}
